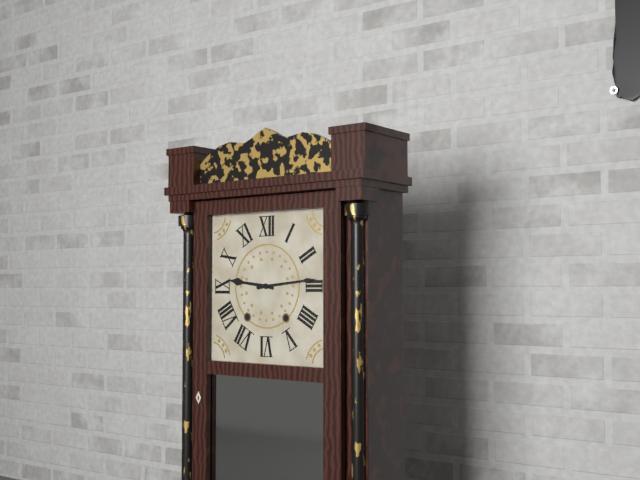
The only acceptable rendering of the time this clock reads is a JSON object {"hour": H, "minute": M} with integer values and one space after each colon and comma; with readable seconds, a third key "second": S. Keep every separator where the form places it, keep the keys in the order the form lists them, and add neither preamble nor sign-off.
{"hour": 9, "minute": 14}
